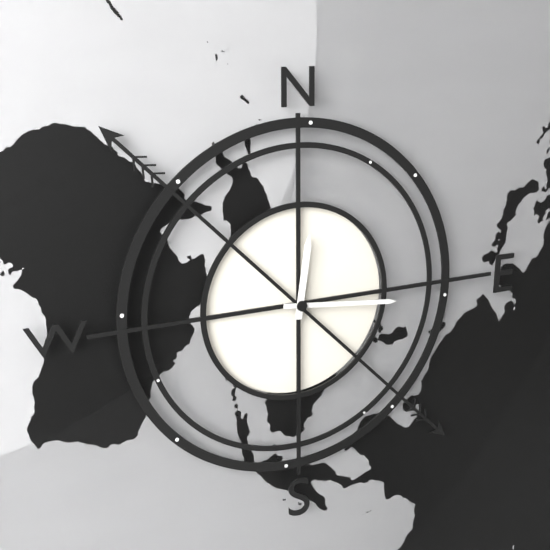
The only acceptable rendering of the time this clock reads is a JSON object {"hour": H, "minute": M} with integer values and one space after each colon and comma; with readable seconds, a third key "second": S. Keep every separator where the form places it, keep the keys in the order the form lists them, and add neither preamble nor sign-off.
{"hour": 12, "minute": 16}
